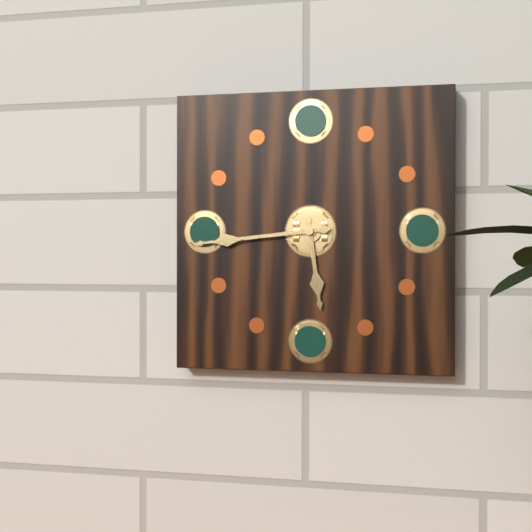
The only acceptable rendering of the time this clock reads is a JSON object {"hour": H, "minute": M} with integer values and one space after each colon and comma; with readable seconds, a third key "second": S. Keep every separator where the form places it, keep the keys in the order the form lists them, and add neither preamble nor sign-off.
{"hour": 5, "minute": 44}
